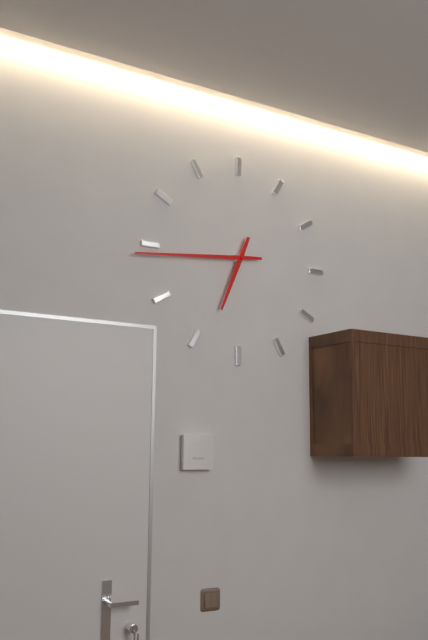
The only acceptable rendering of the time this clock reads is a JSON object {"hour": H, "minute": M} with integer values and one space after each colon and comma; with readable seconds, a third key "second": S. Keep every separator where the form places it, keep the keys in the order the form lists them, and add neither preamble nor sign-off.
{"hour": 6, "minute": 44}
